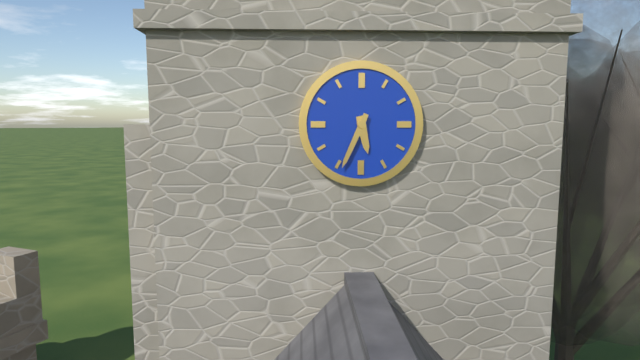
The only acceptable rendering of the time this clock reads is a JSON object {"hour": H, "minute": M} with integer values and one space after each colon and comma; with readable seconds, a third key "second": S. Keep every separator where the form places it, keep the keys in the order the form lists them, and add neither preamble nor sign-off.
{"hour": 5, "minute": 34}
